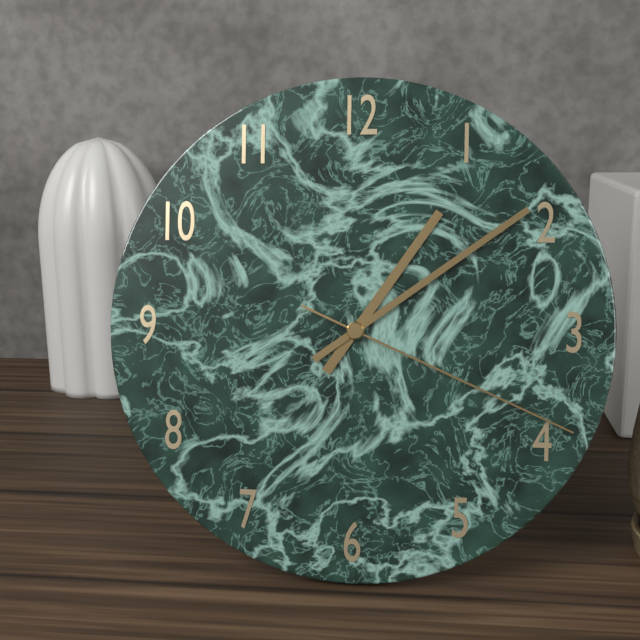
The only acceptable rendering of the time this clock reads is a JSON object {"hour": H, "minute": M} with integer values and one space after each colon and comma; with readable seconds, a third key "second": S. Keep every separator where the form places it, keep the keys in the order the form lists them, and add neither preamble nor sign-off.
{"hour": 1, "minute": 9, "second": 19}
